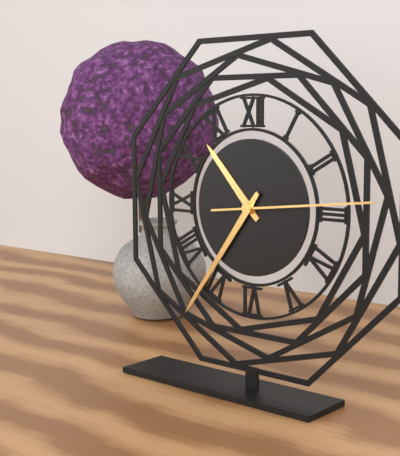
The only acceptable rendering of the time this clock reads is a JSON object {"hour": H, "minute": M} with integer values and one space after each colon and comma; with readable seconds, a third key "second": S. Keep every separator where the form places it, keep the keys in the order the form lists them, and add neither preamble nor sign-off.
{"hour": 10, "minute": 36, "second": 14}
